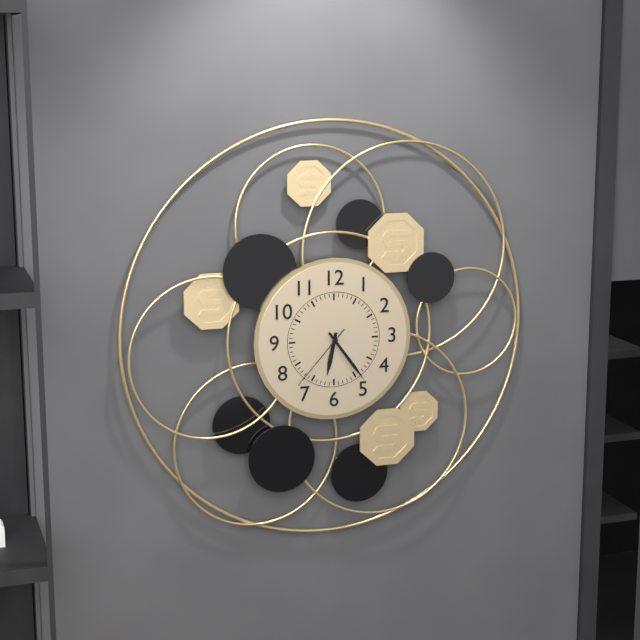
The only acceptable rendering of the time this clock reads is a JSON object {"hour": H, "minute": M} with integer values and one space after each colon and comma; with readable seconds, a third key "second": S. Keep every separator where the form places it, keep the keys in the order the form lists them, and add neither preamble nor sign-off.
{"hour": 6, "minute": 24, "second": 37}
